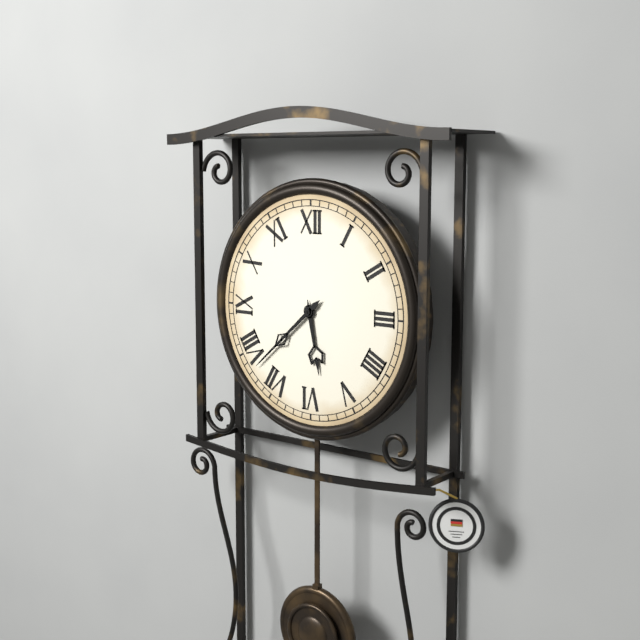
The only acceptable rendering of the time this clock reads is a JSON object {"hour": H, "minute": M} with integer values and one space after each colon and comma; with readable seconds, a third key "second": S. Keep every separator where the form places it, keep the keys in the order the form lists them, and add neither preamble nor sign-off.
{"hour": 5, "minute": 38}
